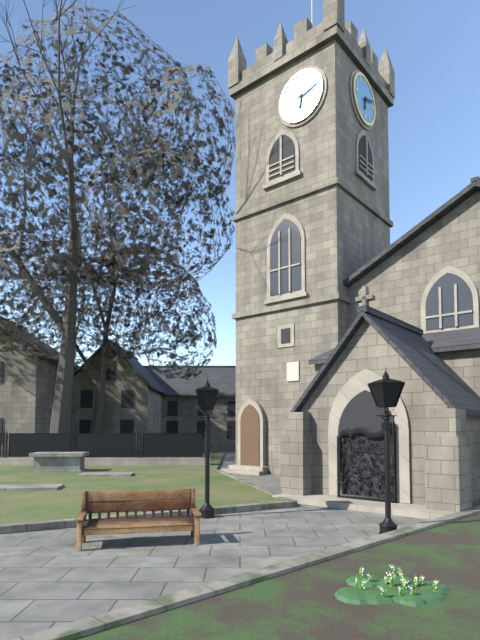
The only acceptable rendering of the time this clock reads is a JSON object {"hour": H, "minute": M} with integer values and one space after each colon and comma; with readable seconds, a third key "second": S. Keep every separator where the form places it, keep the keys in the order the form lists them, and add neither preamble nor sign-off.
{"hour": 6, "minute": 12}
